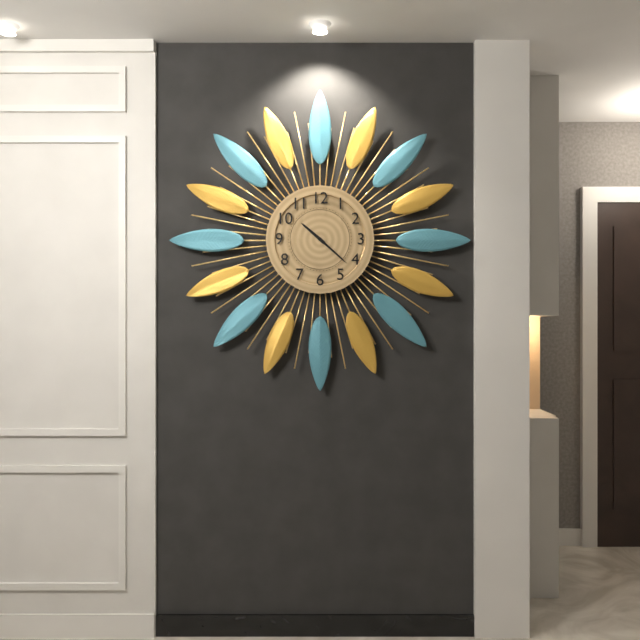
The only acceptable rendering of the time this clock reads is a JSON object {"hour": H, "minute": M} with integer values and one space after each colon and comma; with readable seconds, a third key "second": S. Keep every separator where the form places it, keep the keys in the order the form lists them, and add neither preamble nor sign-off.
{"hour": 10, "minute": 22}
